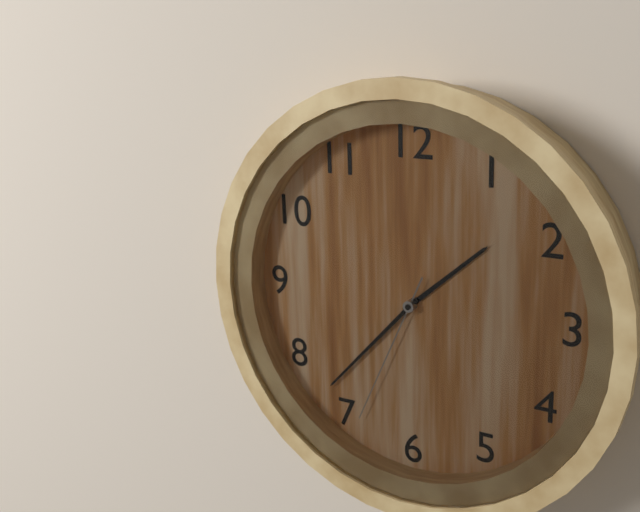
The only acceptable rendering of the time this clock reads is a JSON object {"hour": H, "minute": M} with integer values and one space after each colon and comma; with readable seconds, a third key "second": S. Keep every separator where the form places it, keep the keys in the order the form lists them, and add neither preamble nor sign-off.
{"hour": 1, "minute": 37, "second": 34}
